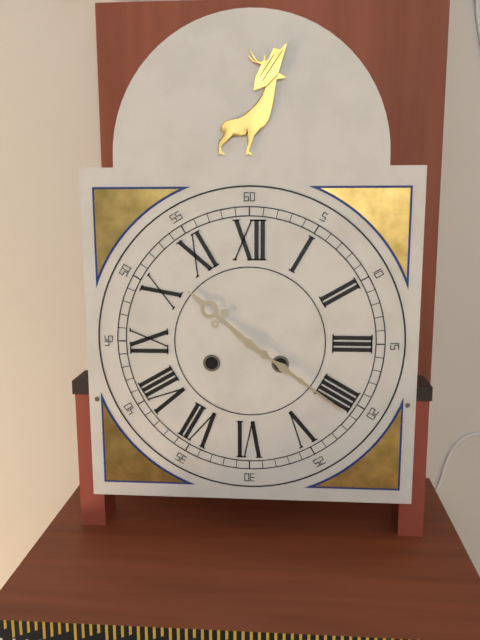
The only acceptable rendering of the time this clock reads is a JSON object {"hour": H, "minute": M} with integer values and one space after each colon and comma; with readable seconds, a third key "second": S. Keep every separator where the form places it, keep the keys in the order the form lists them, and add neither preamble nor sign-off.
{"hour": 10, "minute": 21}
